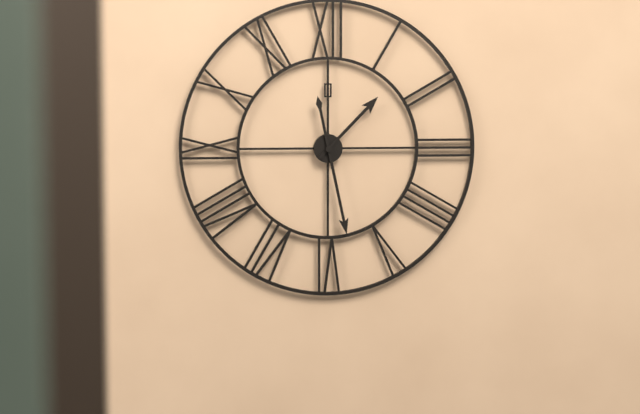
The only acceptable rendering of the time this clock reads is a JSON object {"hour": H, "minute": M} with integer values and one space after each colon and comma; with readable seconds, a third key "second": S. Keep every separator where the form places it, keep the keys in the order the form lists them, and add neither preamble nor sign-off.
{"hour": 1, "minute": 28}
